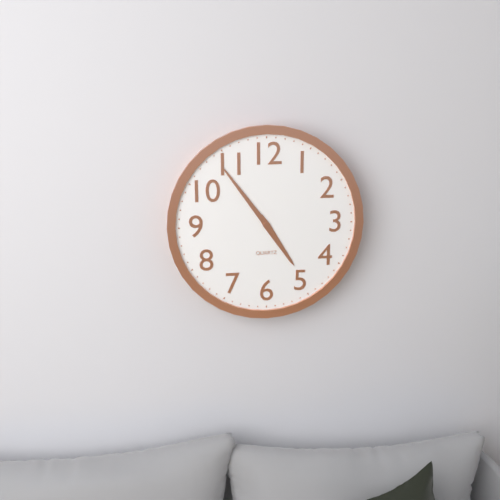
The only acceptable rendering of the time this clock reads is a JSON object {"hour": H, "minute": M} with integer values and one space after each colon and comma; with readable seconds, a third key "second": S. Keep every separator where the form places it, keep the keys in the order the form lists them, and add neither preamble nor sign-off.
{"hour": 4, "minute": 54}
